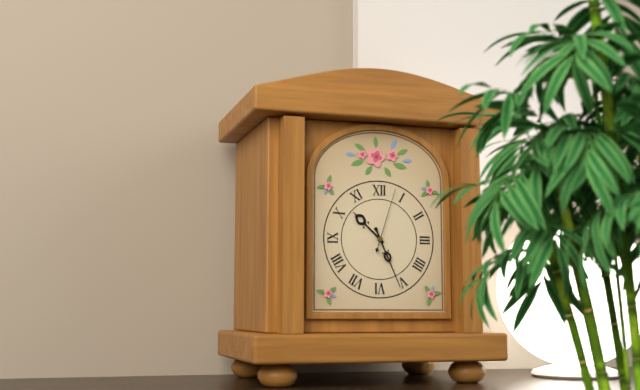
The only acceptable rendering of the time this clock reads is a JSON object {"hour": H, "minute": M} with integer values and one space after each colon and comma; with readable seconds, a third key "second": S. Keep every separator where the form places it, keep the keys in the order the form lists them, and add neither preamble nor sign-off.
{"hour": 10, "minute": 26, "second": 3}
